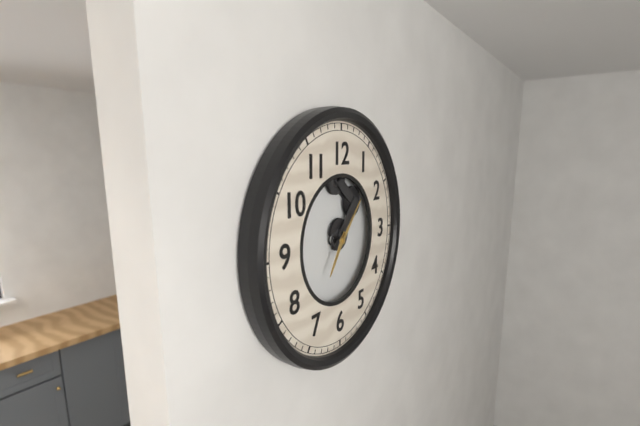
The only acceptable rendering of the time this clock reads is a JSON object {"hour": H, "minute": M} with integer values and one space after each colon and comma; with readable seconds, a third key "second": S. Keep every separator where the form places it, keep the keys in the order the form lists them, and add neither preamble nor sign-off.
{"hour": 7, "minute": 7}
